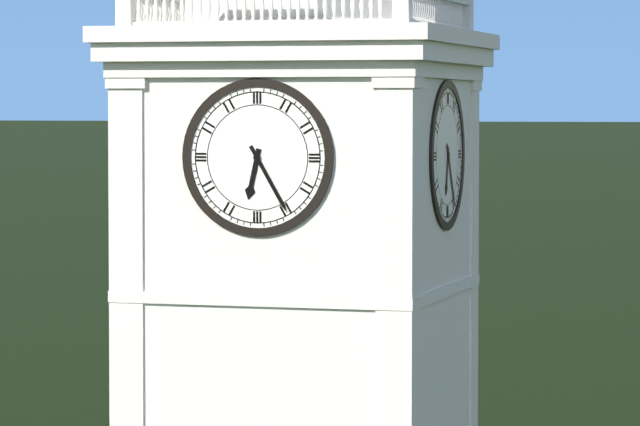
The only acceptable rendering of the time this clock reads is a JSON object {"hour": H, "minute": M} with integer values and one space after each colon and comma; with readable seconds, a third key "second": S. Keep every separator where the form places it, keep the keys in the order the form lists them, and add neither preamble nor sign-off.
{"hour": 6, "minute": 25}
